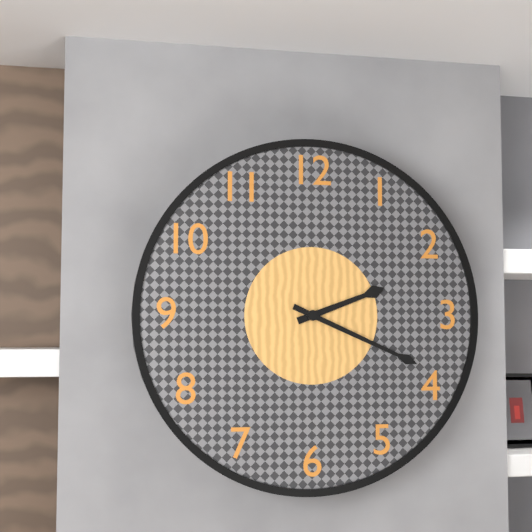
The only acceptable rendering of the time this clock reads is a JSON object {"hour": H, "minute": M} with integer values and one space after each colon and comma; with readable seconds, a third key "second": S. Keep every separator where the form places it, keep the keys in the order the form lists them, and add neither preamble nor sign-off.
{"hour": 2, "minute": 19}
